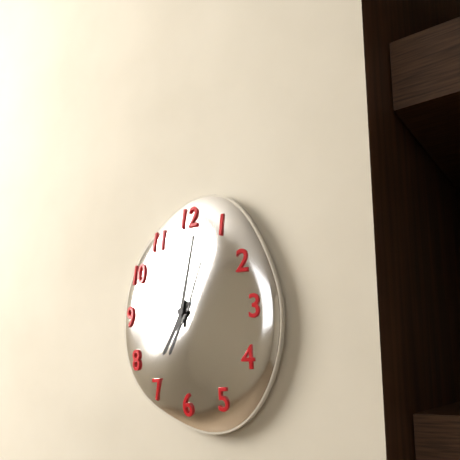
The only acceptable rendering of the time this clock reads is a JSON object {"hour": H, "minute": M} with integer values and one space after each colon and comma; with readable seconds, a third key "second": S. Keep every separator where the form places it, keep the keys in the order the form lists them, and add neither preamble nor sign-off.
{"hour": 7, "minute": 2}
